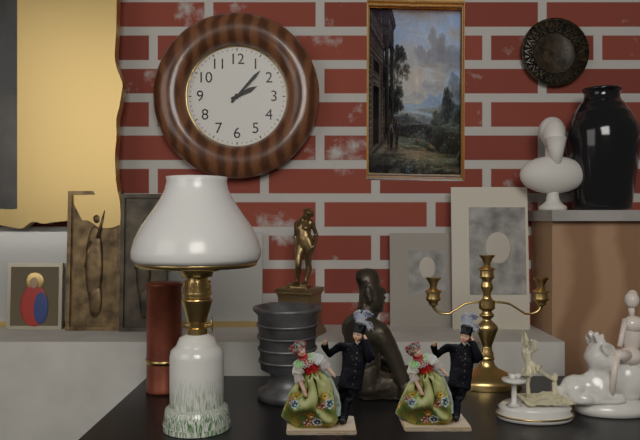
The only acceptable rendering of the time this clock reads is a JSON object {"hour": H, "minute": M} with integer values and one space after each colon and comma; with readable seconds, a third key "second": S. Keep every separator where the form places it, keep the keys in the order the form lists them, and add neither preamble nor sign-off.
{"hour": 2, "minute": 7}
